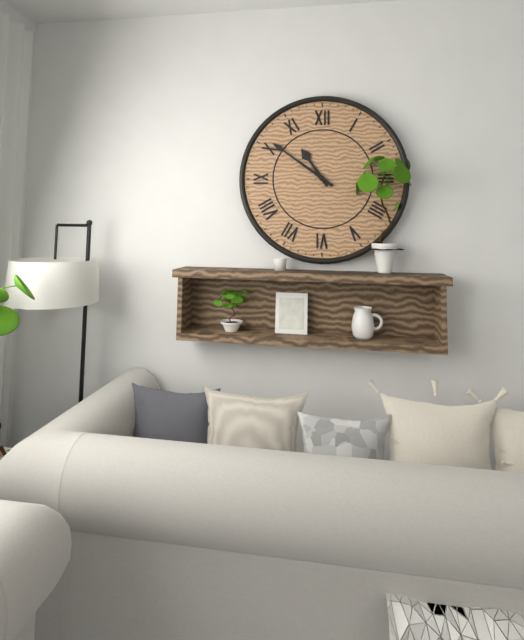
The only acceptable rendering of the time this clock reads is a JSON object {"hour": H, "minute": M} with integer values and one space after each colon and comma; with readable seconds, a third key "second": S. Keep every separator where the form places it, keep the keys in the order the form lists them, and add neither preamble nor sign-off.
{"hour": 10, "minute": 51}
